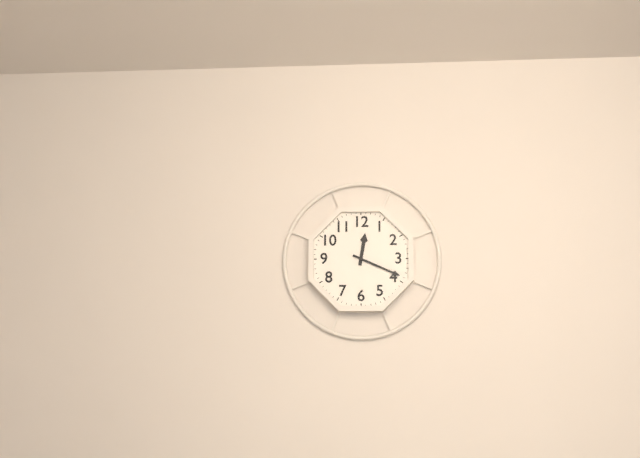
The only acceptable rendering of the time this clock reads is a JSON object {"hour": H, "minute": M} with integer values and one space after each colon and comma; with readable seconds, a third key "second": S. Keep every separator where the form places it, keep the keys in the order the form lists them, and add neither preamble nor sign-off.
{"hour": 12, "minute": 19}
